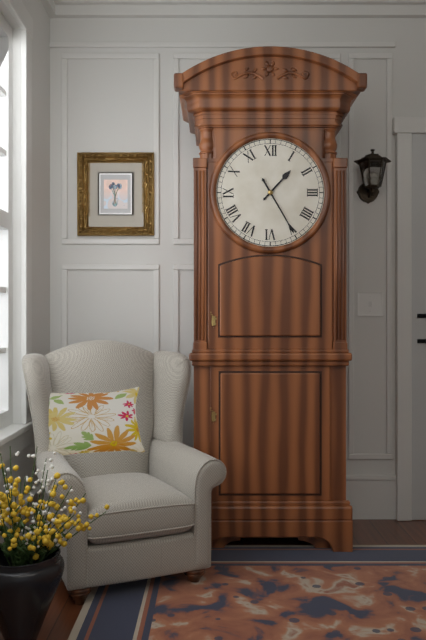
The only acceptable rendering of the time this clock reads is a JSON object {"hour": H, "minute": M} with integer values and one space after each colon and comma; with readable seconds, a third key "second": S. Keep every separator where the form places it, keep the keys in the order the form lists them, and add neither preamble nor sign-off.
{"hour": 1, "minute": 25}
